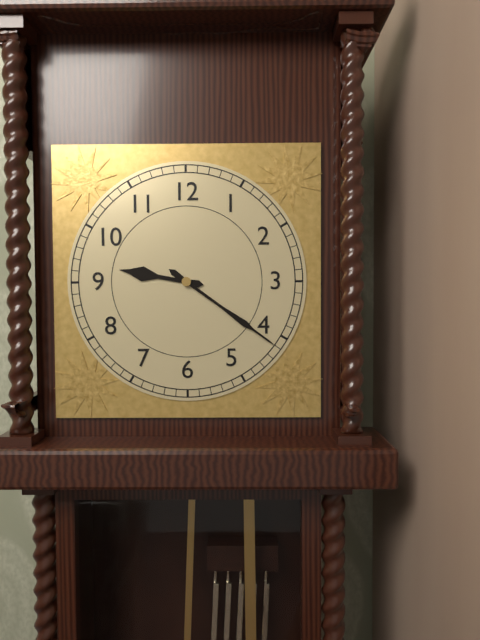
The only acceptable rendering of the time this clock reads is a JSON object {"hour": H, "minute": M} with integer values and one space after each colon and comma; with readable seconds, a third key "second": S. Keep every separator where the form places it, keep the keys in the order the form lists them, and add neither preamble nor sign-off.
{"hour": 9, "minute": 21}
